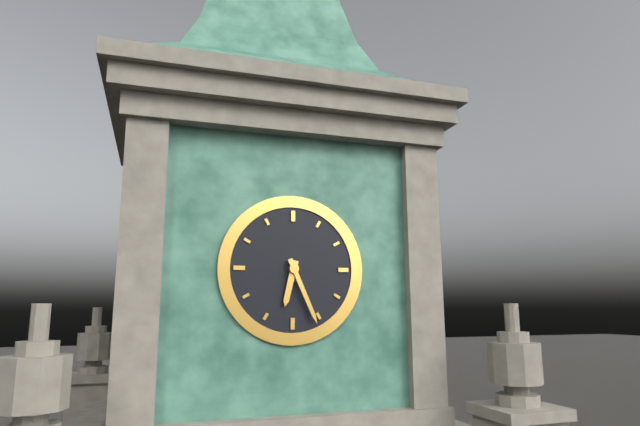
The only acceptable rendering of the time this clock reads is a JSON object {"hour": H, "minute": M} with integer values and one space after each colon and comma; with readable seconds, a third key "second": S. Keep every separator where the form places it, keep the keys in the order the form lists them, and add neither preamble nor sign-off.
{"hour": 6, "minute": 26}
